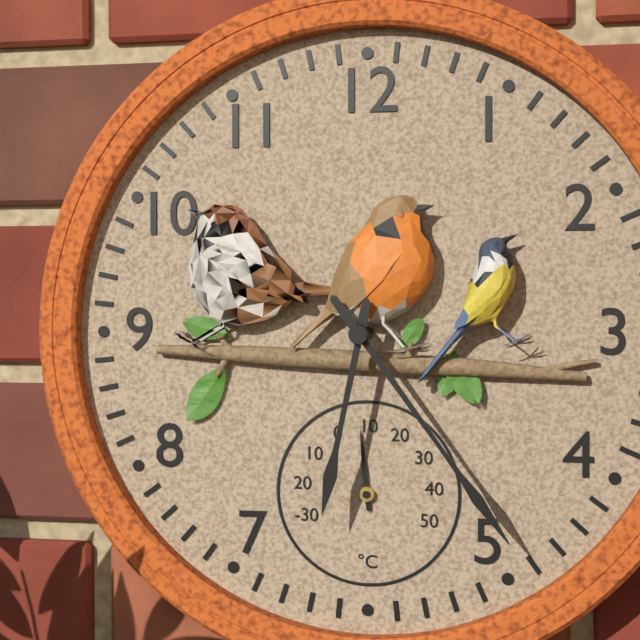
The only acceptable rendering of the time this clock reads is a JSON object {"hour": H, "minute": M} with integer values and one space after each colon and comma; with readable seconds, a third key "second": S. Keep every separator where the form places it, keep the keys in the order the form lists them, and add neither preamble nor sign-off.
{"hour": 6, "minute": 24}
